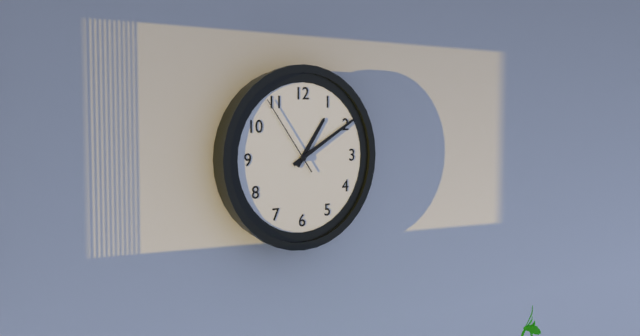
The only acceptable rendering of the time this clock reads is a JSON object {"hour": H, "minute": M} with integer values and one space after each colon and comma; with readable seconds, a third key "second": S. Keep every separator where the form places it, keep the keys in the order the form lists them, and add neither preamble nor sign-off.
{"hour": 1, "minute": 10, "second": 54}
